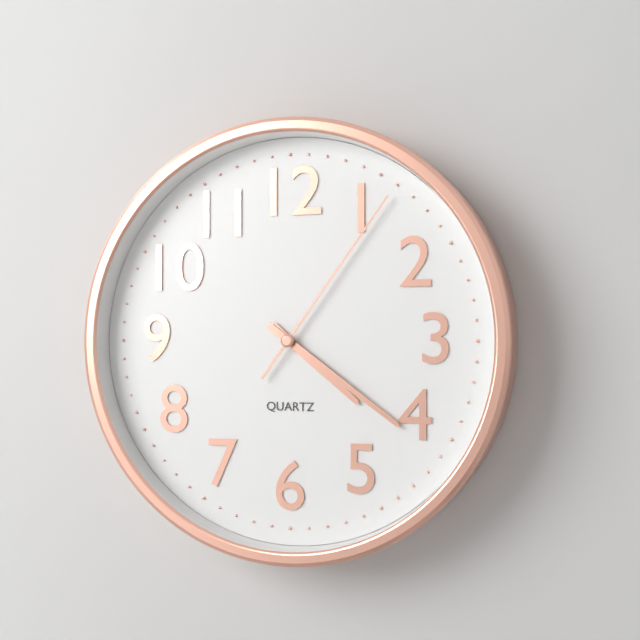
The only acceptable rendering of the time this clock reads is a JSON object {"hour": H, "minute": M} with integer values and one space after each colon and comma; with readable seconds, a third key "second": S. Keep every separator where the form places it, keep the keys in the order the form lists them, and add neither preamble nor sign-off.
{"hour": 4, "minute": 21, "second": 6}
